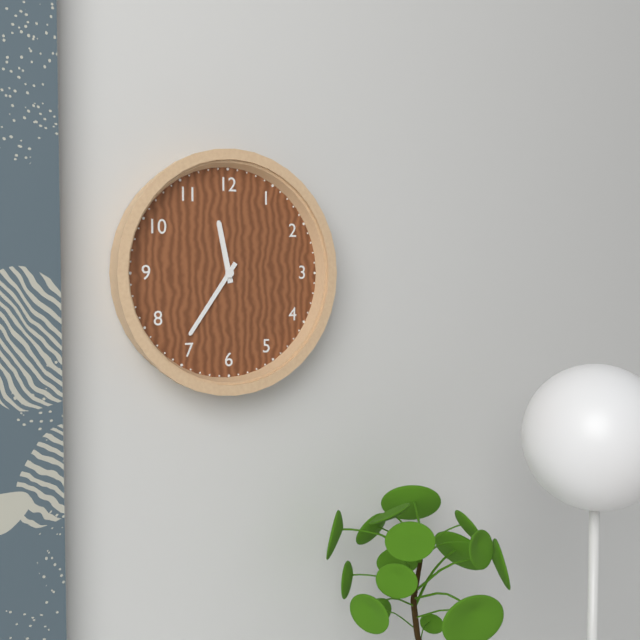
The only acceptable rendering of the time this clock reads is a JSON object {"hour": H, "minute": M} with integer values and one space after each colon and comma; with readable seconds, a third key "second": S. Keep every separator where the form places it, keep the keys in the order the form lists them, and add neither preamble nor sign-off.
{"hour": 11, "minute": 36}
